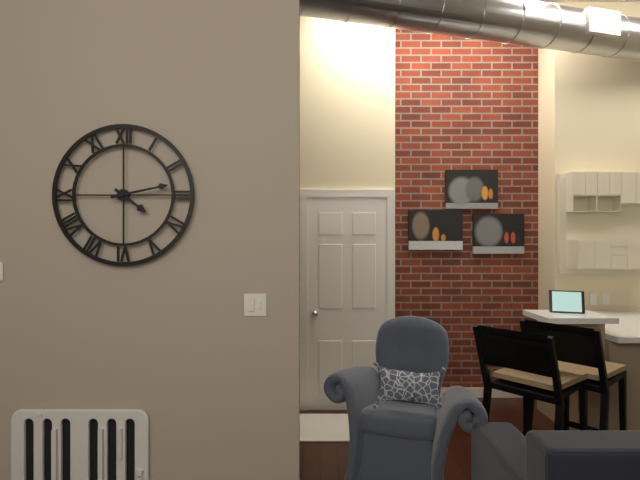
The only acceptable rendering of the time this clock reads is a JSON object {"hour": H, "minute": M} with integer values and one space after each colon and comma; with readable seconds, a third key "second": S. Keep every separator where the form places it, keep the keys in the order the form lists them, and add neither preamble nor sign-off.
{"hour": 4, "minute": 13}
